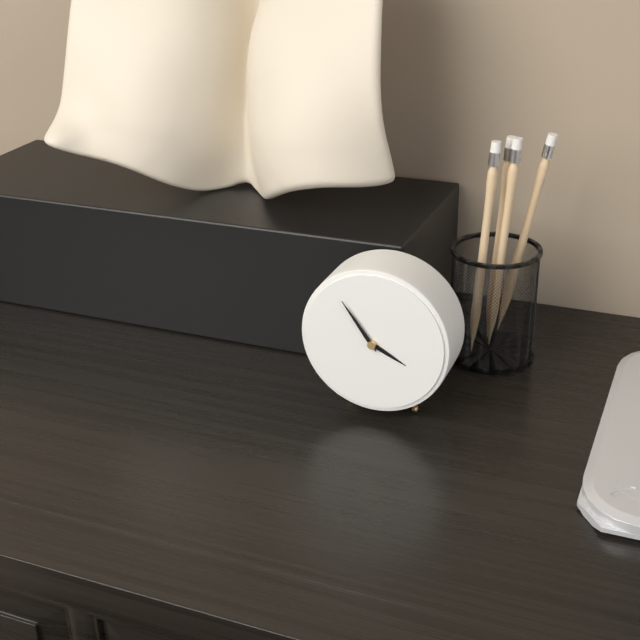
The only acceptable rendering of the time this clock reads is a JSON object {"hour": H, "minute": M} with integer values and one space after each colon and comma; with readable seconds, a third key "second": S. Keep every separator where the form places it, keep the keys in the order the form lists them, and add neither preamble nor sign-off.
{"hour": 3, "minute": 54}
